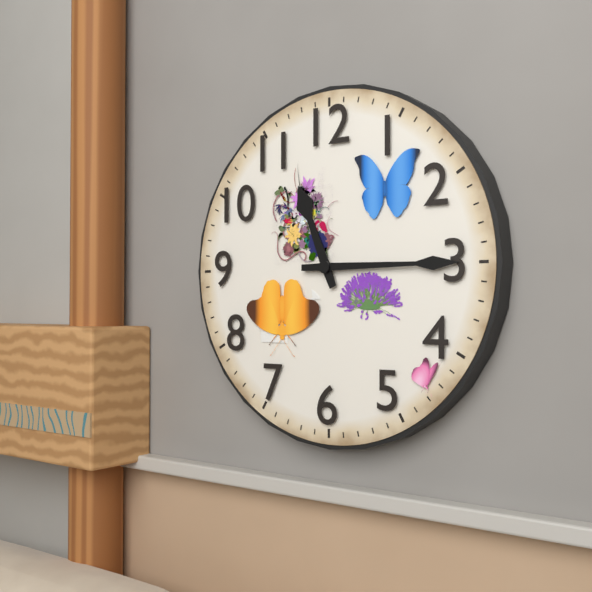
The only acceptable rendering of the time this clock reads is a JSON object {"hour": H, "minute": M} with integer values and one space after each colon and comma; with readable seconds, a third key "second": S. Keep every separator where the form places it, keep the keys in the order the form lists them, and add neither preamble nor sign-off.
{"hour": 11, "minute": 15}
